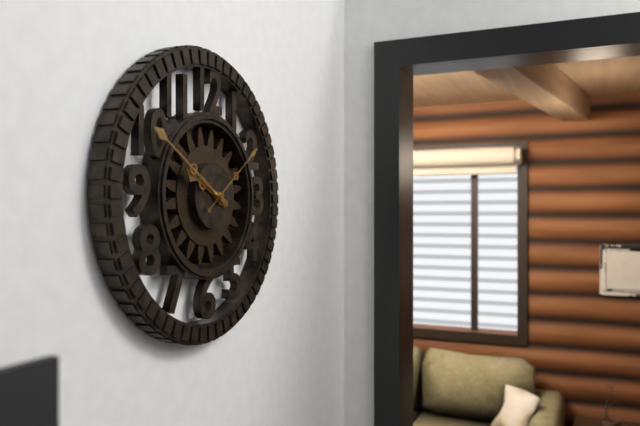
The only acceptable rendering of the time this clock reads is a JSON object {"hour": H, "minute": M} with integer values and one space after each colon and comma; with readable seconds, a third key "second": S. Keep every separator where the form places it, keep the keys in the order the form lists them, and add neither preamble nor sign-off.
{"hour": 9, "minute": 50, "second": 9}
